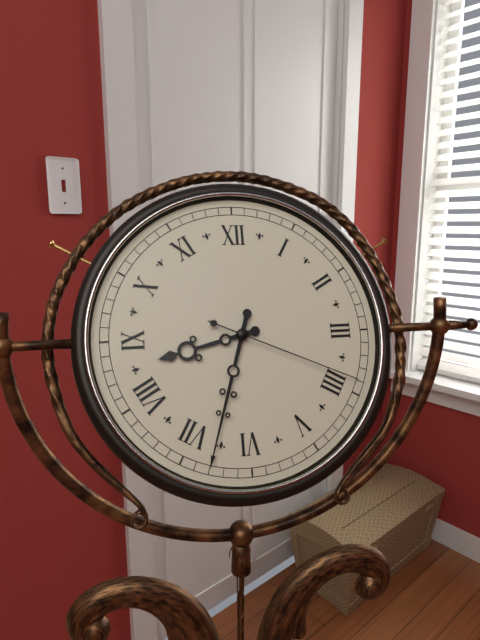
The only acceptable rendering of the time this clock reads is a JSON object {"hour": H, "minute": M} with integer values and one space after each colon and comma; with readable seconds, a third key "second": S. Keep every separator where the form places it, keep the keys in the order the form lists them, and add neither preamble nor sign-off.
{"hour": 8, "minute": 33, "second": 19}
